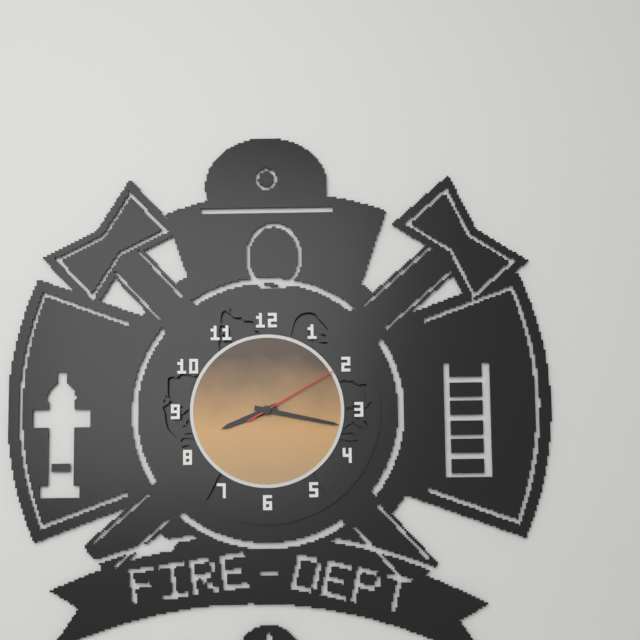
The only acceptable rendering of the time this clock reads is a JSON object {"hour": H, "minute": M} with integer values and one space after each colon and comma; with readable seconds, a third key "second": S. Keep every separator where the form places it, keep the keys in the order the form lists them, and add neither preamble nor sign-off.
{"hour": 8, "minute": 17, "second": 10}
